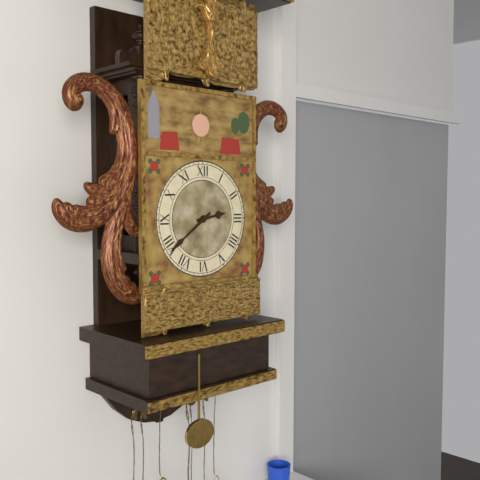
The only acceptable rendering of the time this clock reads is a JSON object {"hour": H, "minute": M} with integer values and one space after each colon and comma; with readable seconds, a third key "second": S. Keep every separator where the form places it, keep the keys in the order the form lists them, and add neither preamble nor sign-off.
{"hour": 2, "minute": 39}
